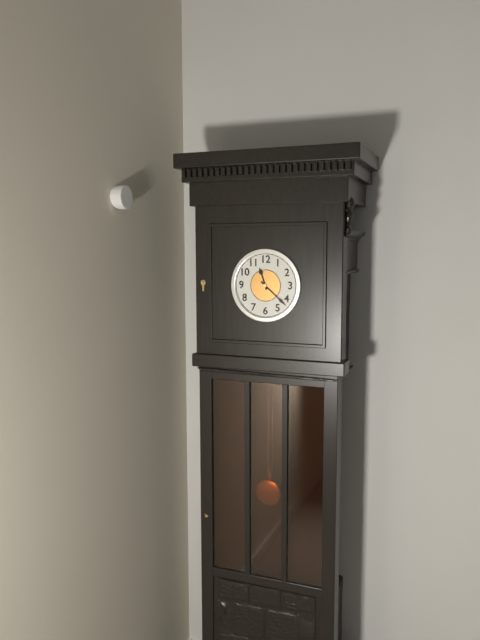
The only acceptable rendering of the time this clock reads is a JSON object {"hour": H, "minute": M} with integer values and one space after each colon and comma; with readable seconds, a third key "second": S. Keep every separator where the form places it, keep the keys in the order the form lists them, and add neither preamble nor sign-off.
{"hour": 11, "minute": 22}
